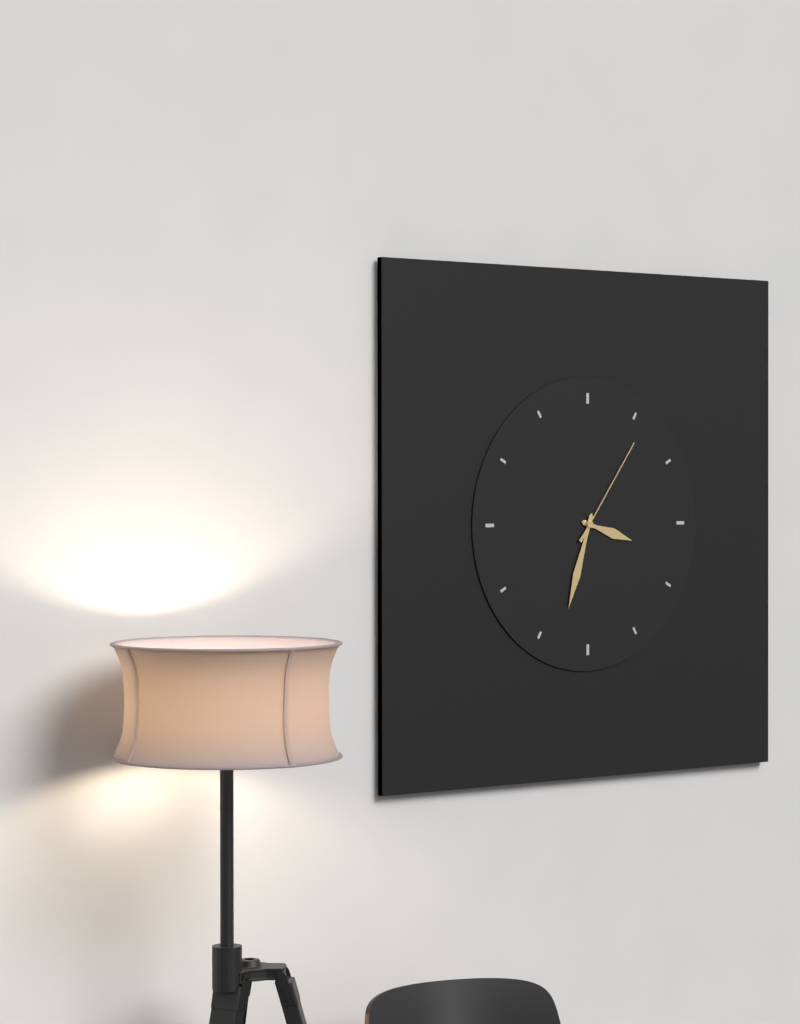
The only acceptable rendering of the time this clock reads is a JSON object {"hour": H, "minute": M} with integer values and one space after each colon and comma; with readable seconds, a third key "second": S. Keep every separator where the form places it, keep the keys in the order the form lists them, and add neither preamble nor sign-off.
{"hour": 3, "minute": 33, "second": 6}
